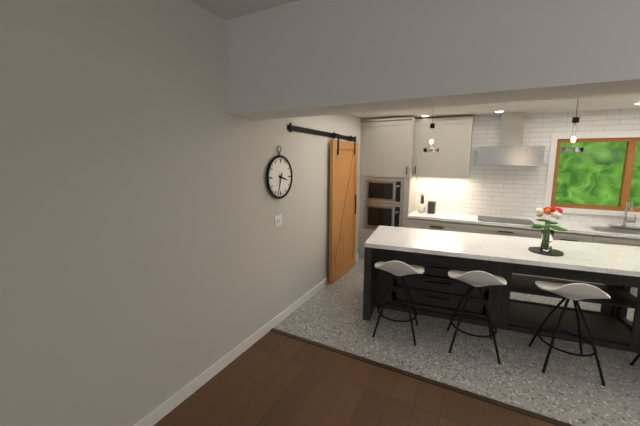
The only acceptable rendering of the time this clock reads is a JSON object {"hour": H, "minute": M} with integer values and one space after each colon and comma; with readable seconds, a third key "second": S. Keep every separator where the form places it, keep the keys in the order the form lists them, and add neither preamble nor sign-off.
{"hour": 3, "minute": 33}
